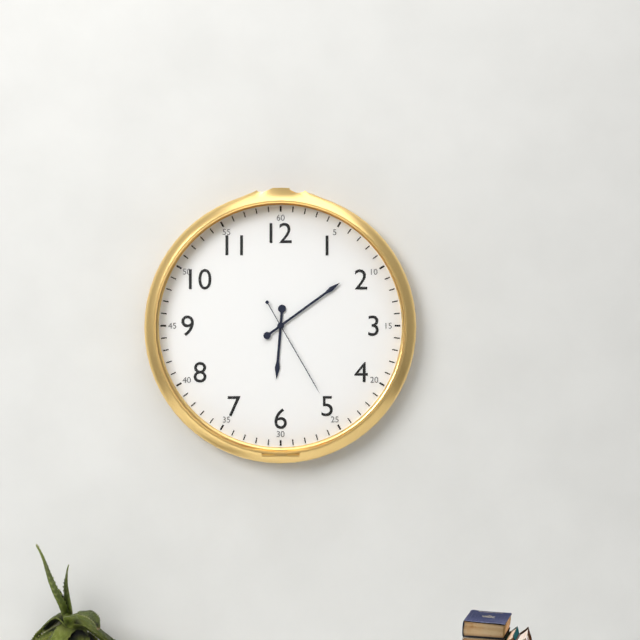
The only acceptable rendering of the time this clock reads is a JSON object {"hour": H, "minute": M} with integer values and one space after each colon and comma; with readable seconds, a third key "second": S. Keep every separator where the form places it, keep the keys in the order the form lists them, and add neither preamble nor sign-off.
{"hour": 6, "minute": 9, "second": 25}
